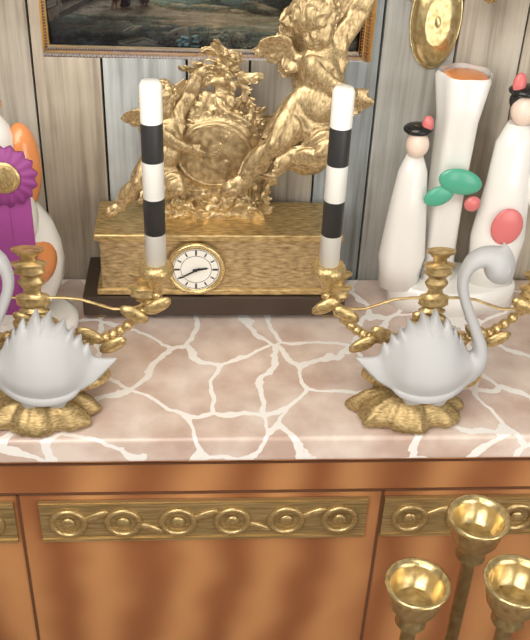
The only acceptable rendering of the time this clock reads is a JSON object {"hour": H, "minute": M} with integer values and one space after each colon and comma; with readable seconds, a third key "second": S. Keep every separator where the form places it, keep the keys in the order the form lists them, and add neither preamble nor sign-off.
{"hour": 2, "minute": 40}
